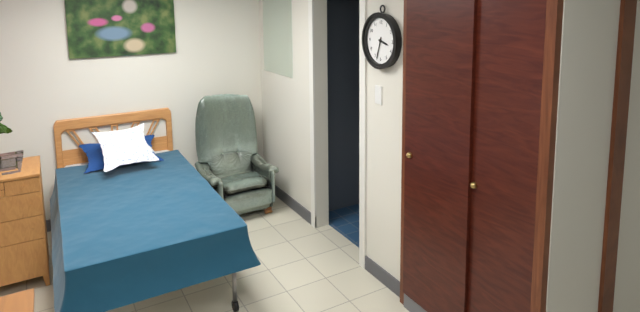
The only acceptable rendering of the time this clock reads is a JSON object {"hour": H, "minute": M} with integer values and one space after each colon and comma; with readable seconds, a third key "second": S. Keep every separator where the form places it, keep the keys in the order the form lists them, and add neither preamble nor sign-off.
{"hour": 3, "minute": 33}
